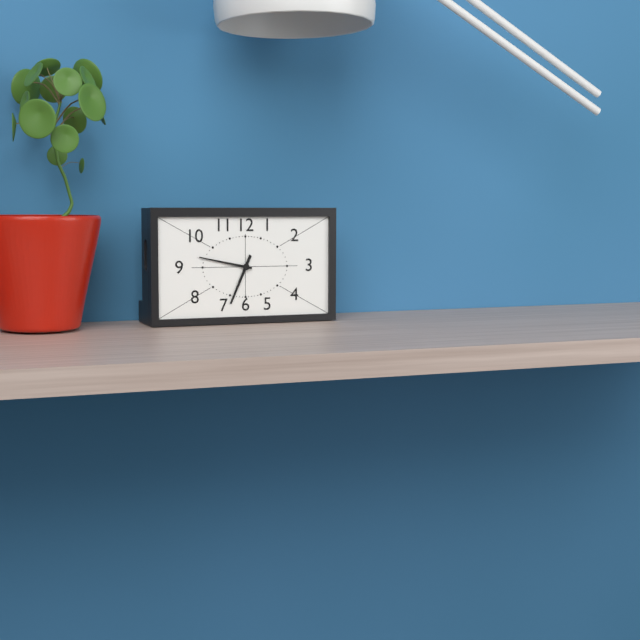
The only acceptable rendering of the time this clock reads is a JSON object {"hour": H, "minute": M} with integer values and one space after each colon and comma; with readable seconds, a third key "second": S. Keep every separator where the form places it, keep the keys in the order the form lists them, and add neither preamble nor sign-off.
{"hour": 6, "minute": 47}
